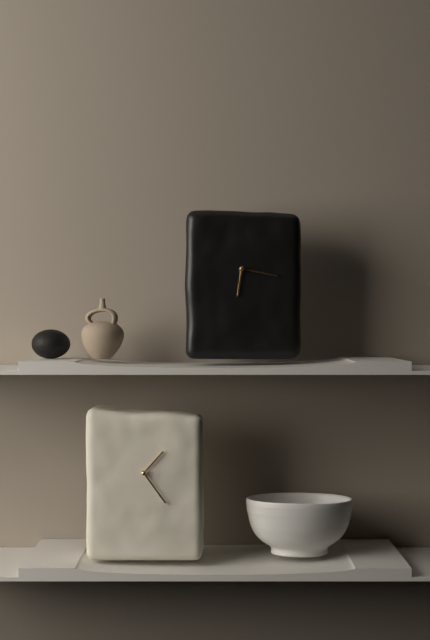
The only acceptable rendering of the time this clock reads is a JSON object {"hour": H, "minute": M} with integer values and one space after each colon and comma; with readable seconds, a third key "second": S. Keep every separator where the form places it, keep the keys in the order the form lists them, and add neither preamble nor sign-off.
{"hour": 6, "minute": 17}
